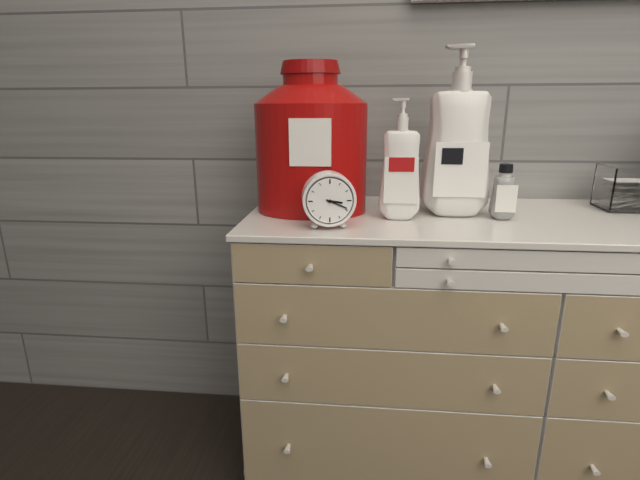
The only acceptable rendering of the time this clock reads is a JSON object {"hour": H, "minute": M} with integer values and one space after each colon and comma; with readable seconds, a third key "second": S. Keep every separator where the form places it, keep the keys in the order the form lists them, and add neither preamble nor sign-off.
{"hour": 3, "minute": 19}
